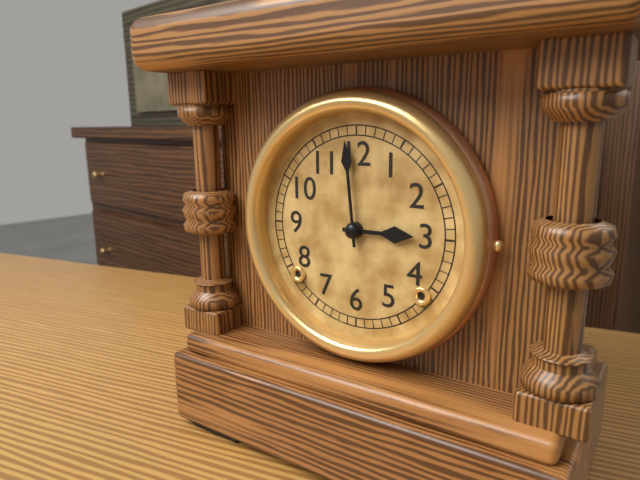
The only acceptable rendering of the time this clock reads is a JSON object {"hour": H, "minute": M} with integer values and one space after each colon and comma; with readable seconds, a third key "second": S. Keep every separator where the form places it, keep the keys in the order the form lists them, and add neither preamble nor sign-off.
{"hour": 2, "minute": 59}
